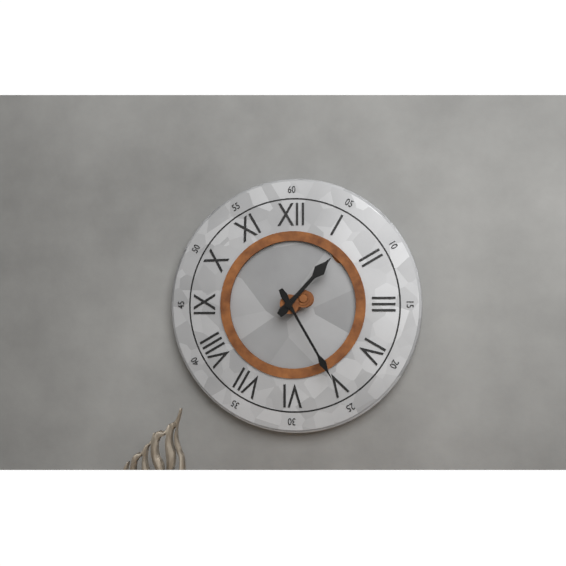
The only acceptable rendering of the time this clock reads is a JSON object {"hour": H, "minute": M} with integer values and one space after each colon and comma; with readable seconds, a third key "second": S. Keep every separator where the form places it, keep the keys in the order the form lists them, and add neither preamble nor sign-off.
{"hour": 1, "minute": 25}
